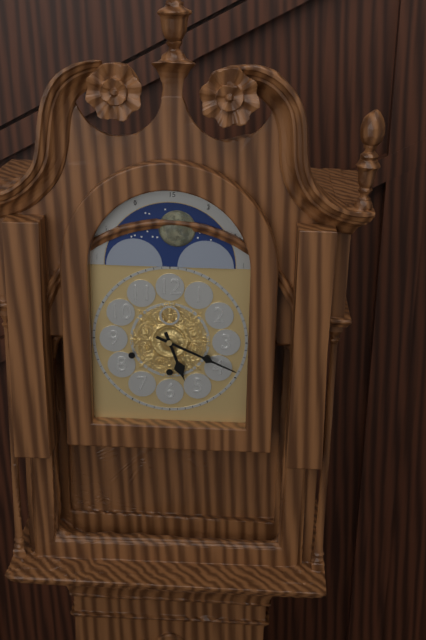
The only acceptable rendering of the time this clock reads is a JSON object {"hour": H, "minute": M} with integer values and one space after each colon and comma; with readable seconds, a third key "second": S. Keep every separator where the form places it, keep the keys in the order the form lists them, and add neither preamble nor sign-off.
{"hour": 5, "minute": 19}
